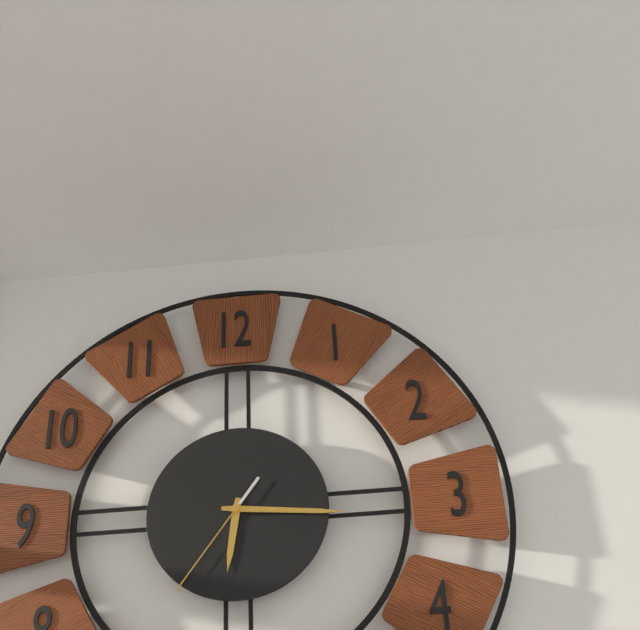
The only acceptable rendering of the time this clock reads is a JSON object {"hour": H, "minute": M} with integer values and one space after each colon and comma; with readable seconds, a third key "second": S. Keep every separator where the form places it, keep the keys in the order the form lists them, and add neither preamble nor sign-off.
{"hour": 6, "minute": 16, "second": 36}
